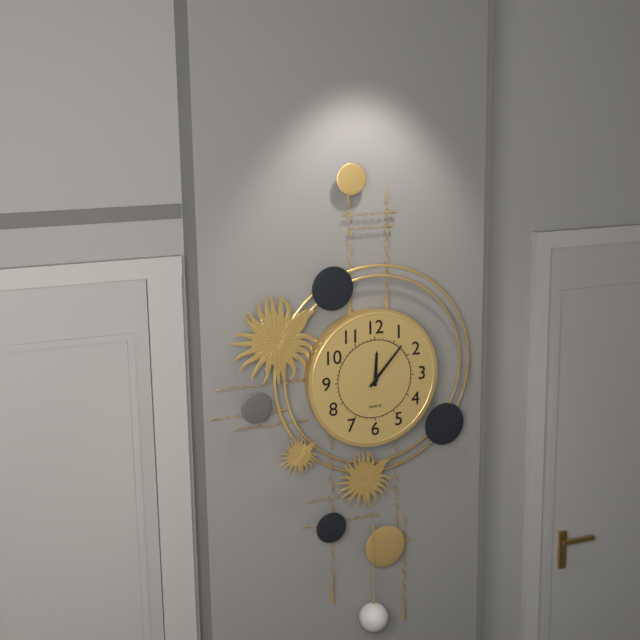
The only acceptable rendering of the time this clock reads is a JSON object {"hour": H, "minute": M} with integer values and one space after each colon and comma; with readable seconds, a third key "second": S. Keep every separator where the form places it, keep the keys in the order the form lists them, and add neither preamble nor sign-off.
{"hour": 12, "minute": 7}
